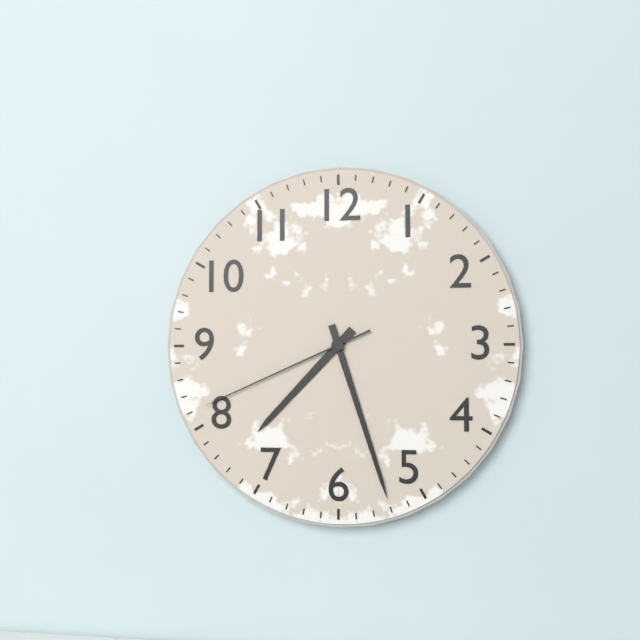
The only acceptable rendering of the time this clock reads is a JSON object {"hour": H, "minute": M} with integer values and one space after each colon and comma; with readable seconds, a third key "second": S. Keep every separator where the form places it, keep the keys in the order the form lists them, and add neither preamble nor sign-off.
{"hour": 7, "minute": 27, "second": 41}
